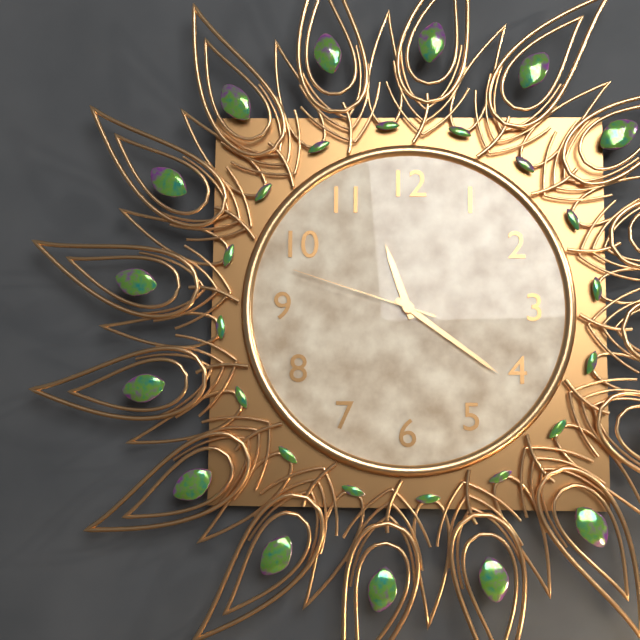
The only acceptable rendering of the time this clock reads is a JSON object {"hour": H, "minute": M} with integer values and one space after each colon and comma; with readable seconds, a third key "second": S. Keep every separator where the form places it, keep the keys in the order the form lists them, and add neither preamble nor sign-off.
{"hour": 11, "minute": 21, "second": 48}
